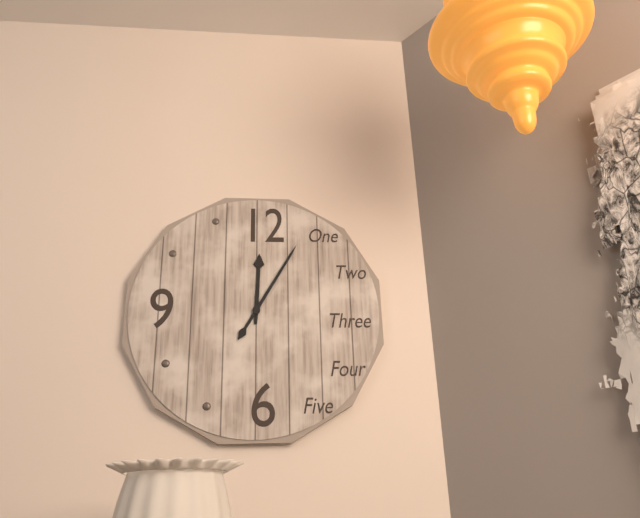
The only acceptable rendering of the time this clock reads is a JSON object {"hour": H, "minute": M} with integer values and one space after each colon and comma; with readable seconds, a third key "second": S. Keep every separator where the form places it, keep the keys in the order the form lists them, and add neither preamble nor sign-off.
{"hour": 12, "minute": 5}
